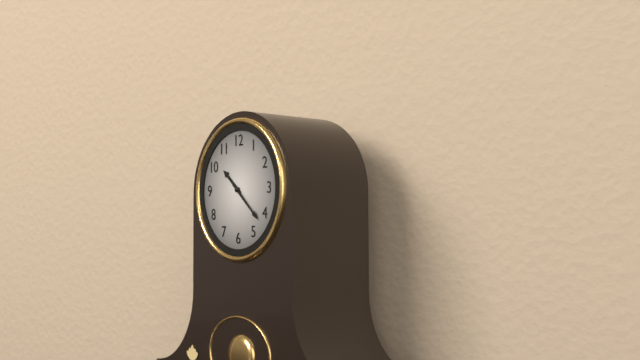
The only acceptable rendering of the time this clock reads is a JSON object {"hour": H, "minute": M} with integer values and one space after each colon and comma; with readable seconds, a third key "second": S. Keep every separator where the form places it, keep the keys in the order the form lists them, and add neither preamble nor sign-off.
{"hour": 10, "minute": 22}
